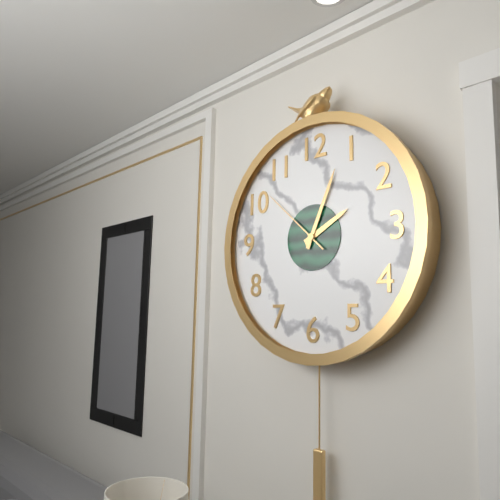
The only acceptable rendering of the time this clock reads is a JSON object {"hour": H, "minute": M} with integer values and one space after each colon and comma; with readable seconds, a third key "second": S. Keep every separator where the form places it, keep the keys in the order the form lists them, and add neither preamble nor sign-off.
{"hour": 2, "minute": 4, "second": 52}
